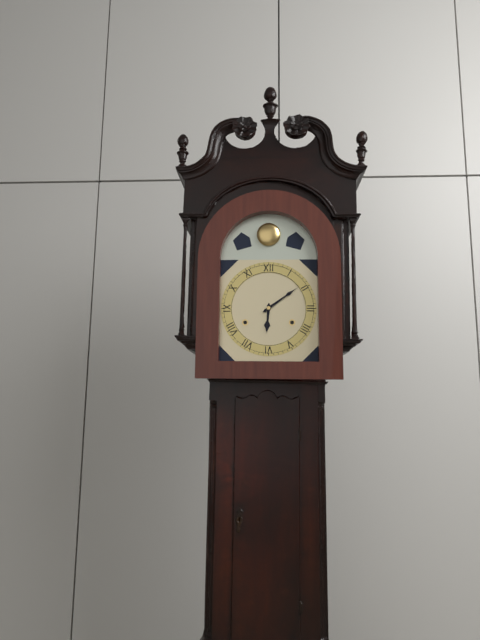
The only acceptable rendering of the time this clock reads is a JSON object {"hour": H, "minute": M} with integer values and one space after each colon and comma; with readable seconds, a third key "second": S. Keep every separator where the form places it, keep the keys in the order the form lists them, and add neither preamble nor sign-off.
{"hour": 6, "minute": 9}
